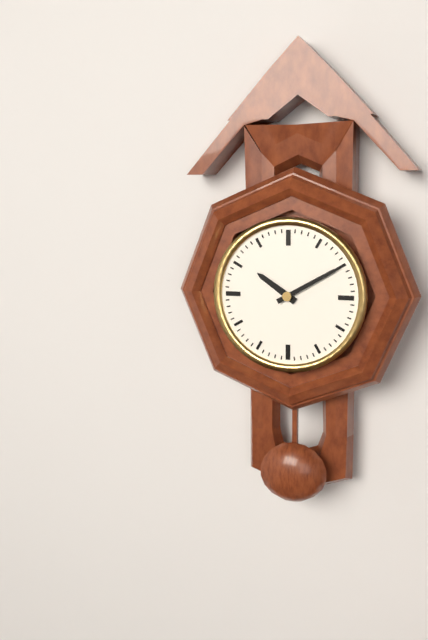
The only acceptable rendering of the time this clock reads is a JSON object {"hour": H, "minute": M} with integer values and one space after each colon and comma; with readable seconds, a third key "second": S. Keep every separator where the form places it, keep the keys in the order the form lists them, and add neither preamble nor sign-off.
{"hour": 10, "minute": 10}
